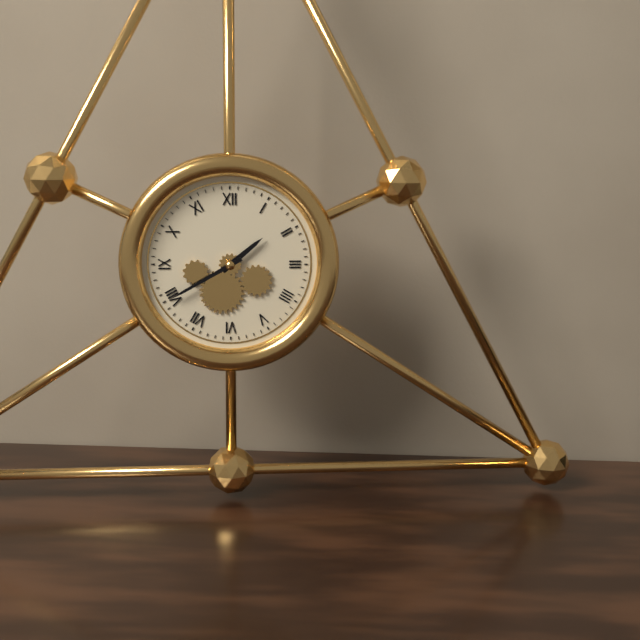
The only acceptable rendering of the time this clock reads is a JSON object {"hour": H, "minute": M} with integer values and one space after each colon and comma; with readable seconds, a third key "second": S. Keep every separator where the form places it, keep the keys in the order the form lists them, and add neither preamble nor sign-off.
{"hour": 1, "minute": 40}
